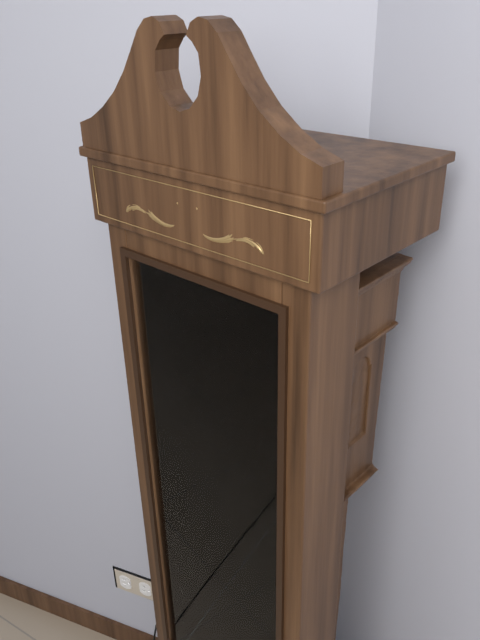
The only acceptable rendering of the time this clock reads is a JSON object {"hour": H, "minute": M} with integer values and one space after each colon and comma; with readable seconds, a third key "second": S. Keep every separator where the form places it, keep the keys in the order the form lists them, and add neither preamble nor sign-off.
{"hour": 2, "minute": 11}
